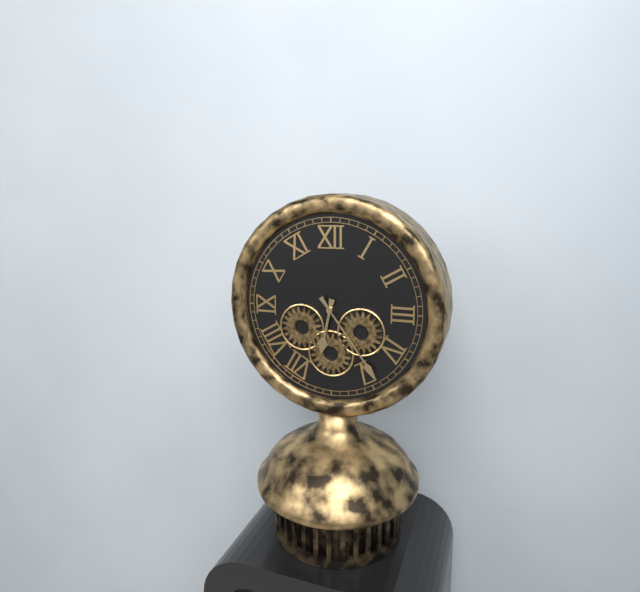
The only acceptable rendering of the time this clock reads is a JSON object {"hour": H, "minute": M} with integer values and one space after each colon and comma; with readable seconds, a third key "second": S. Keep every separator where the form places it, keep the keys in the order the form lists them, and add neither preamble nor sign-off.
{"hour": 6, "minute": 24}
